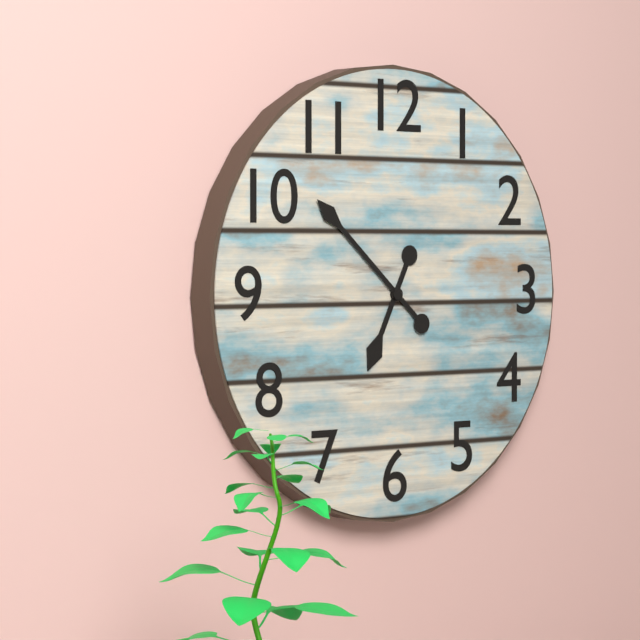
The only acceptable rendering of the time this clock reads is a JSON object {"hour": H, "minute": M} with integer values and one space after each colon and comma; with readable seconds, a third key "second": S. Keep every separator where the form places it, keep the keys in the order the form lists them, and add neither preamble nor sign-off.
{"hour": 6, "minute": 52}
